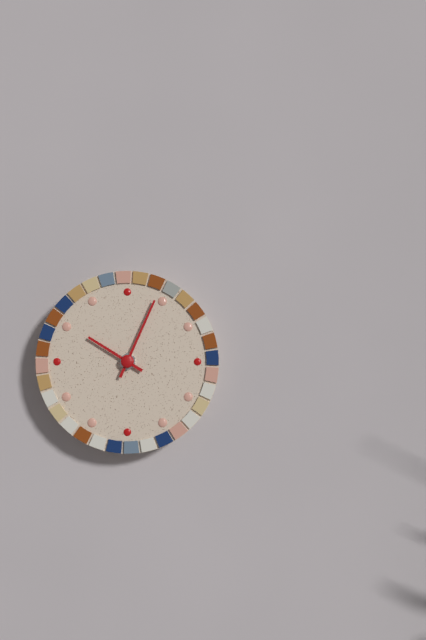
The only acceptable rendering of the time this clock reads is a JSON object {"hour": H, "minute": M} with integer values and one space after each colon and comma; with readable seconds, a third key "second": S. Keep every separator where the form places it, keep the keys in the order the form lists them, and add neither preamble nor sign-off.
{"hour": 10, "minute": 4}
